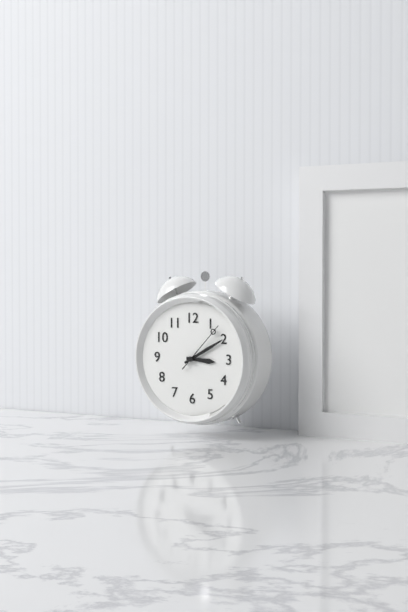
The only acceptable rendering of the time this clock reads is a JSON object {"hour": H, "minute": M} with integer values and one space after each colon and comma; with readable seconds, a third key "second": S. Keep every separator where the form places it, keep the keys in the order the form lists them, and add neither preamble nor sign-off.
{"hour": 3, "minute": 10, "second": 7}
